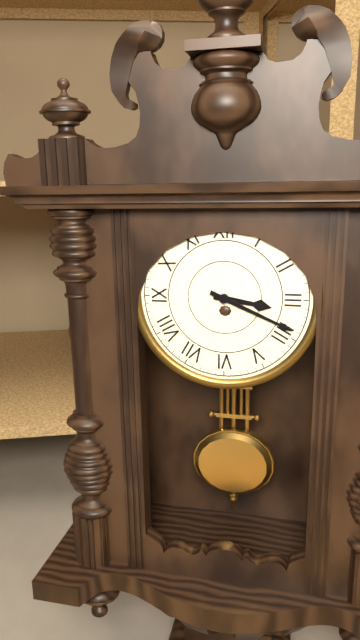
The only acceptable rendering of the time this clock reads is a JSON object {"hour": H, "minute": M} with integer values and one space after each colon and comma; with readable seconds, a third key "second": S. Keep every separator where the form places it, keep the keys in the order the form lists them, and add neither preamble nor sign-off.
{"hour": 3, "minute": 19}
